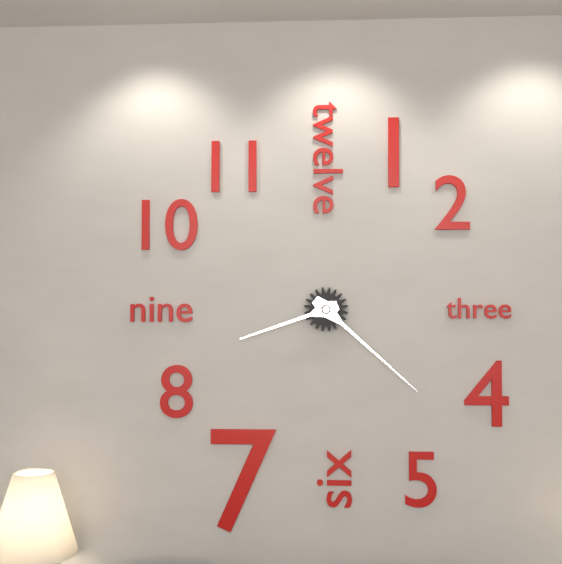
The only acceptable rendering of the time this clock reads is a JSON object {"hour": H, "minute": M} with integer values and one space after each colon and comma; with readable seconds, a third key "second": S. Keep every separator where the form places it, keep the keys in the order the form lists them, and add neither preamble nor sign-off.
{"hour": 8, "minute": 22}
